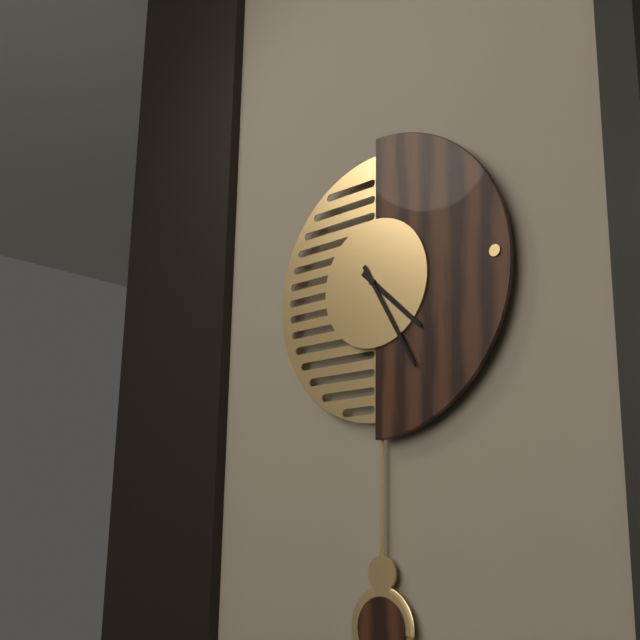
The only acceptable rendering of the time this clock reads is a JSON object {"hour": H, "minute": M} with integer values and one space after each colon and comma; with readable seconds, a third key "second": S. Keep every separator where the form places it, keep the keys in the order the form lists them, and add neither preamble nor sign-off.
{"hour": 4, "minute": 25}
